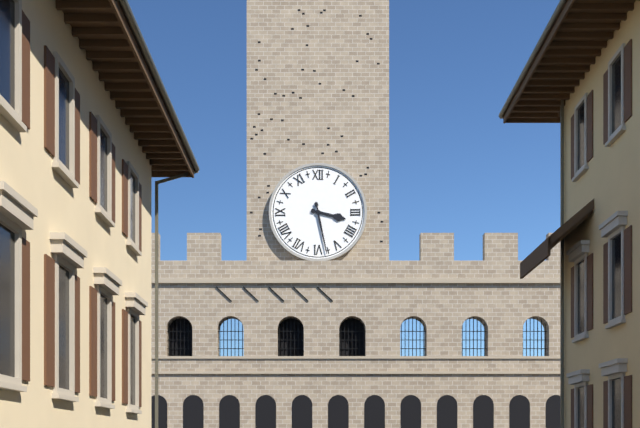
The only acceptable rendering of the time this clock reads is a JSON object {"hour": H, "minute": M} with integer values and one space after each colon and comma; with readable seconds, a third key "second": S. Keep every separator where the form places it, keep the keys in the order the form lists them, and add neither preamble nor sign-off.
{"hour": 3, "minute": 28}
